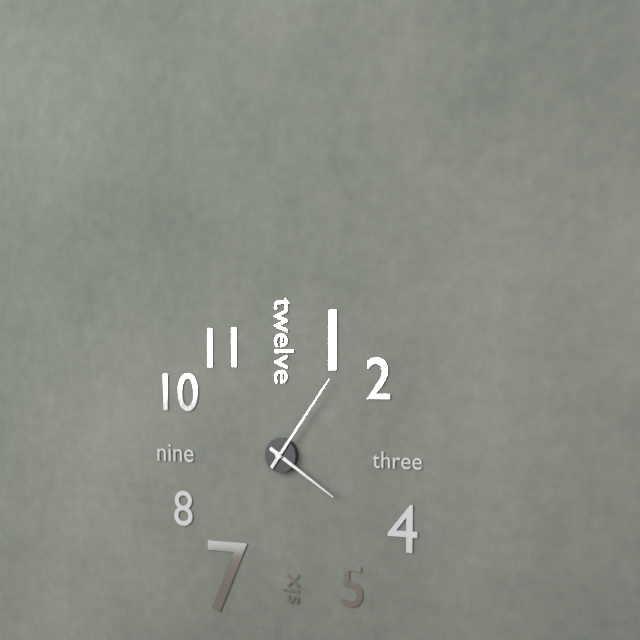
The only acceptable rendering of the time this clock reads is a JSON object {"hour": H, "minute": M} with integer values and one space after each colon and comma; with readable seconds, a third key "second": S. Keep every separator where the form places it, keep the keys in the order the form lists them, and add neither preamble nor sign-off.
{"hour": 4, "minute": 6}
